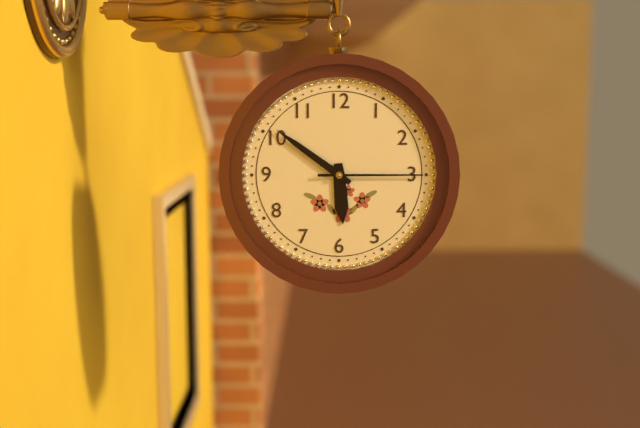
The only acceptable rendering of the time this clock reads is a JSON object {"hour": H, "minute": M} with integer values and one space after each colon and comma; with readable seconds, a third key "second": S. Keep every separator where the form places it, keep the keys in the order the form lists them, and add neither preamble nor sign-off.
{"hour": 5, "minute": 51, "second": 15}
